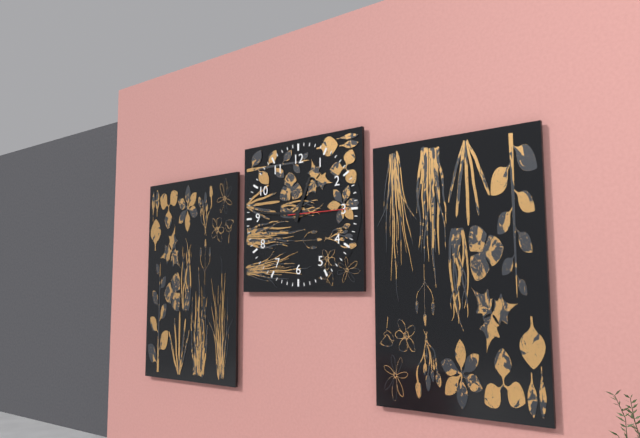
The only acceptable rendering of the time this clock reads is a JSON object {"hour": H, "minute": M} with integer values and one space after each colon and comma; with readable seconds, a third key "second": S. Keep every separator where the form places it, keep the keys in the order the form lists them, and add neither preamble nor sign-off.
{"hour": 12, "minute": 46, "second": 15}
